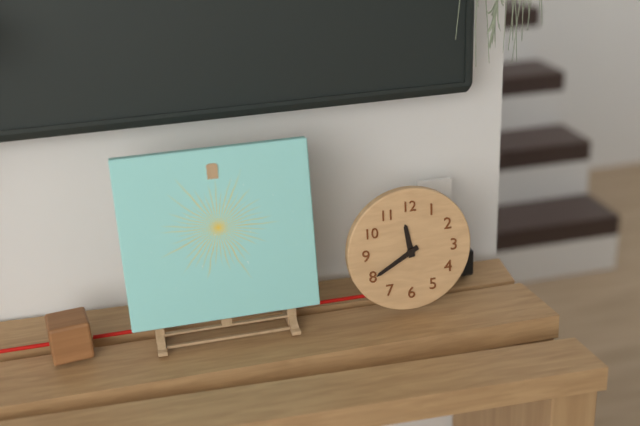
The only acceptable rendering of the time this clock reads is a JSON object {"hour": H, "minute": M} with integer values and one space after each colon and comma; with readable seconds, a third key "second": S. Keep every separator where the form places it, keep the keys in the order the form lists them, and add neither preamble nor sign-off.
{"hour": 11, "minute": 40}
